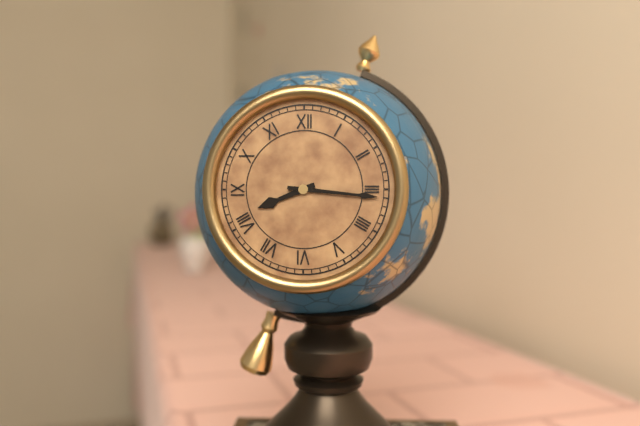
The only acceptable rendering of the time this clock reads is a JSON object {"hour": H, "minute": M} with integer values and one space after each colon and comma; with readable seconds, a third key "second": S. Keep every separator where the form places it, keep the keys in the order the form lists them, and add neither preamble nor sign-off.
{"hour": 8, "minute": 16}
